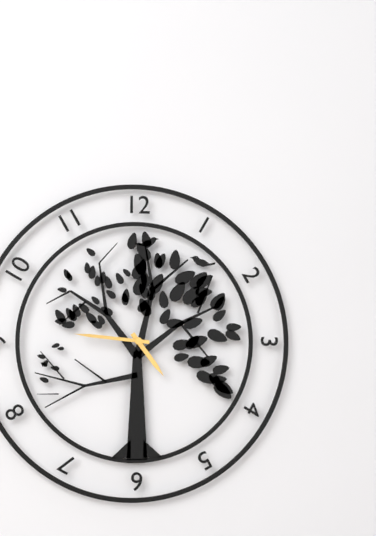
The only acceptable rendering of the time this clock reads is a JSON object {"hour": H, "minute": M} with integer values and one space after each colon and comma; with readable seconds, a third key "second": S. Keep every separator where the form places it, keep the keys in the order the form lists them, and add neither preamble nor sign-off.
{"hour": 4, "minute": 46}
